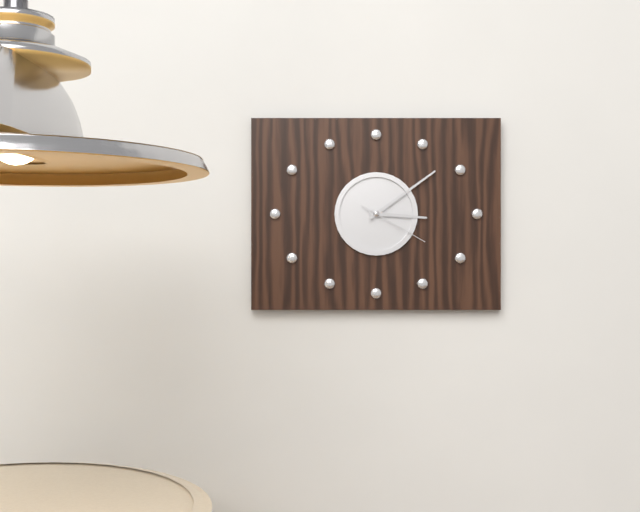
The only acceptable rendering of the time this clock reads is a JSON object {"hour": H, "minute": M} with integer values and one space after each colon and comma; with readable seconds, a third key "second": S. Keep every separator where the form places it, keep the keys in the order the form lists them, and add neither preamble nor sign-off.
{"hour": 3, "minute": 9, "second": 20}
